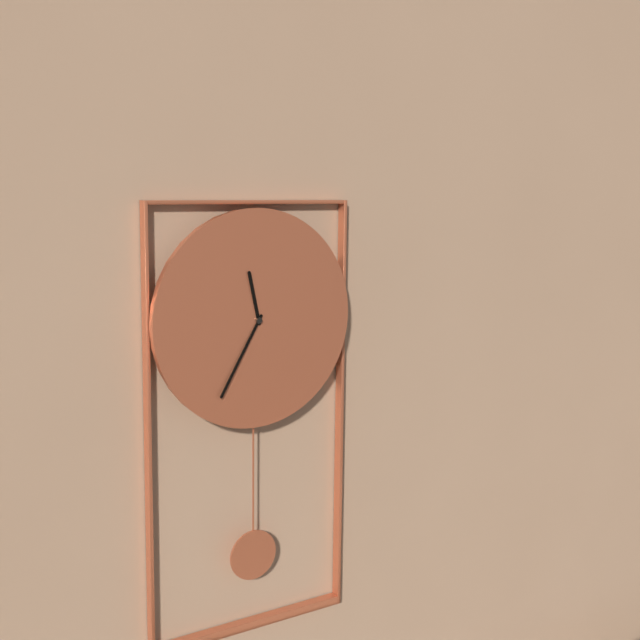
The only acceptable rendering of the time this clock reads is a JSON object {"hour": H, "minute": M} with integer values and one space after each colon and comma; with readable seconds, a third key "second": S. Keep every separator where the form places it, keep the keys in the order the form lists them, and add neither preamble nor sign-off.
{"hour": 11, "minute": 35}
